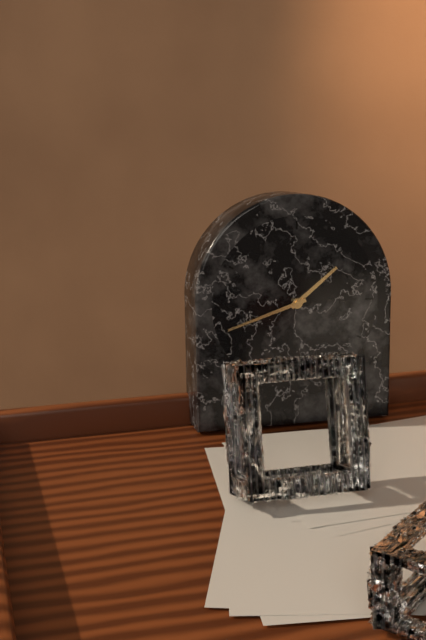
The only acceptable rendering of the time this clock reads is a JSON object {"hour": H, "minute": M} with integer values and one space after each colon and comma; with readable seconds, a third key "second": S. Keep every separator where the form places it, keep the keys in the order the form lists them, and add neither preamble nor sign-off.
{"hour": 1, "minute": 42}
